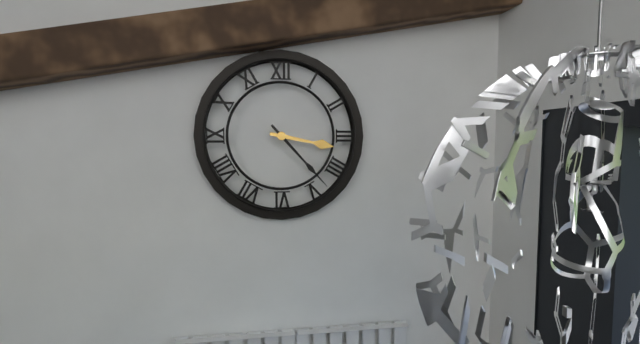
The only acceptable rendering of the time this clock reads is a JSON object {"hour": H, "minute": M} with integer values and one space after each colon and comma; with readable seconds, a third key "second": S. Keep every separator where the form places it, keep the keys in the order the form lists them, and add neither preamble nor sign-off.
{"hour": 3, "minute": 23}
